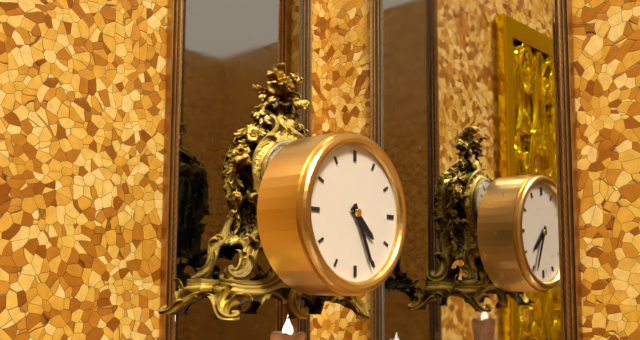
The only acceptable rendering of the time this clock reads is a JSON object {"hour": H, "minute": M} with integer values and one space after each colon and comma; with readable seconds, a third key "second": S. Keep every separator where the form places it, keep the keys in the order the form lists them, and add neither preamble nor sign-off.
{"hour": 4, "minute": 26}
